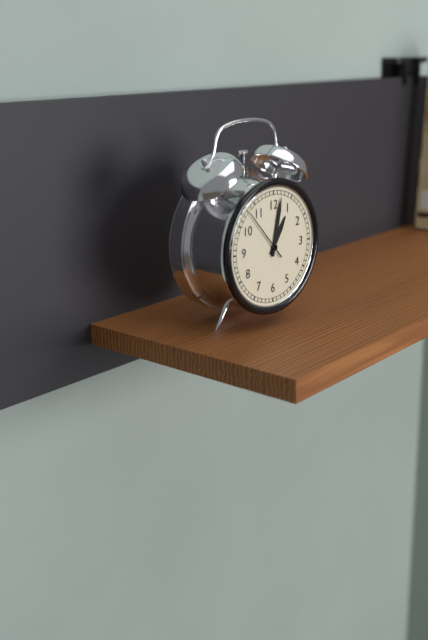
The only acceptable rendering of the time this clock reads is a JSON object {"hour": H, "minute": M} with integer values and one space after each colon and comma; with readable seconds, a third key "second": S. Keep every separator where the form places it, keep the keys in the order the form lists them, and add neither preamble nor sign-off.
{"hour": 1, "minute": 2, "second": 53}
